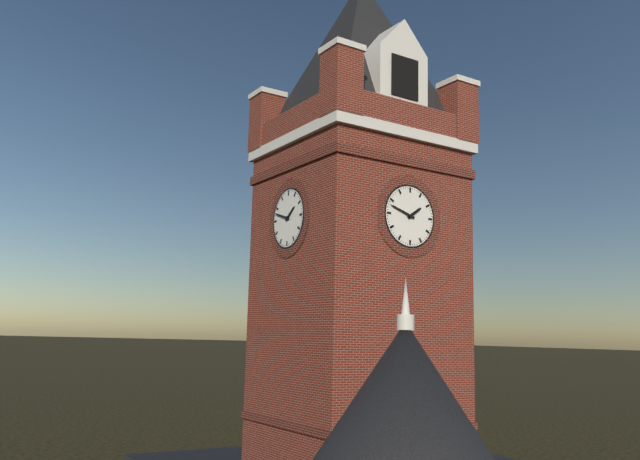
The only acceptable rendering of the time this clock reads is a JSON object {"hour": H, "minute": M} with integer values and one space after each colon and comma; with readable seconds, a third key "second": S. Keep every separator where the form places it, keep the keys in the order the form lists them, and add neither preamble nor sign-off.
{"hour": 1, "minute": 48}
